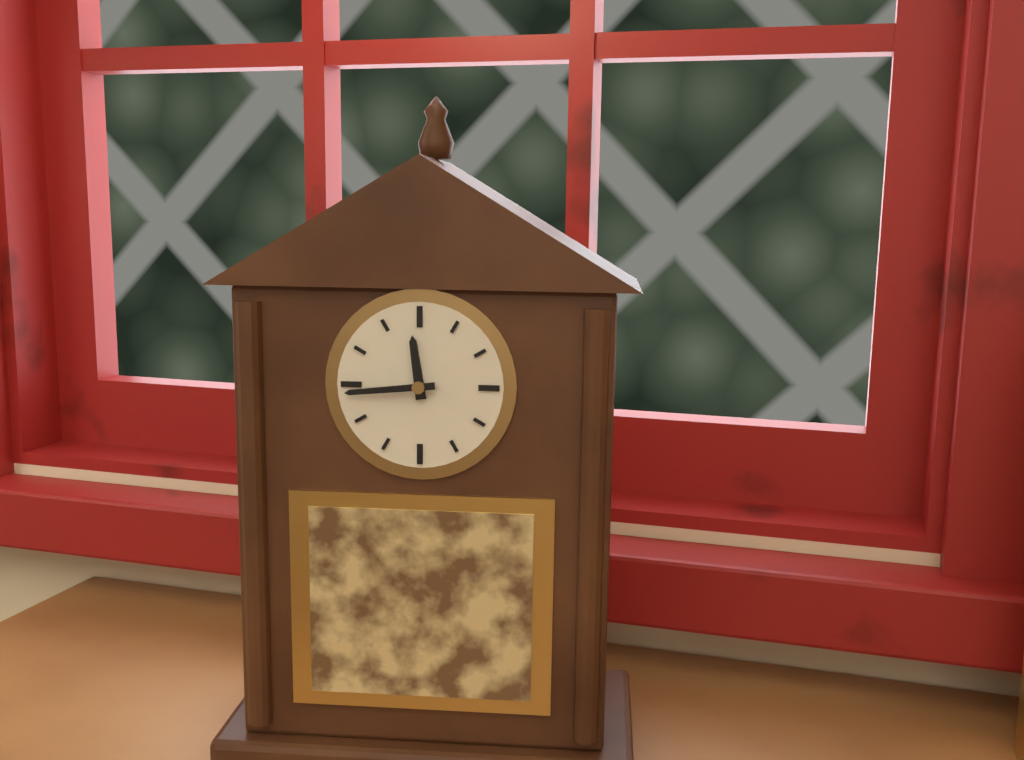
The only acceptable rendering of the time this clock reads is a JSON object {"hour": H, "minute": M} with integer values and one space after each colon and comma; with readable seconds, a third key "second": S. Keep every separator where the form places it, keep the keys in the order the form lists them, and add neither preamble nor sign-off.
{"hour": 11, "minute": 44}
